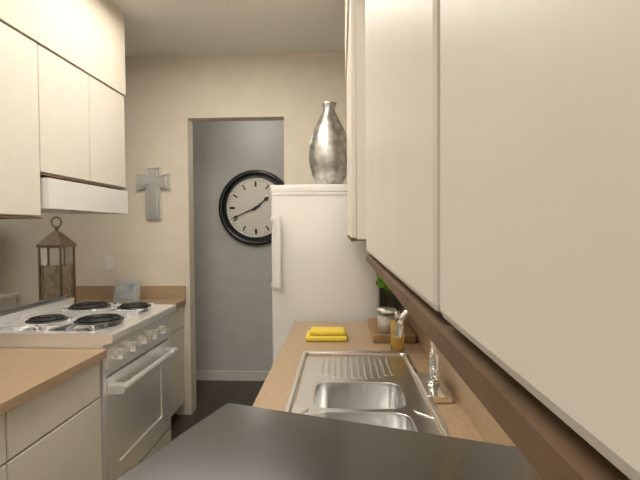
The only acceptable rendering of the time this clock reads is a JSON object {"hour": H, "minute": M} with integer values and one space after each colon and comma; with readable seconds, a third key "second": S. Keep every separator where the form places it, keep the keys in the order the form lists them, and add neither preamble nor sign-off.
{"hour": 1, "minute": 41}
